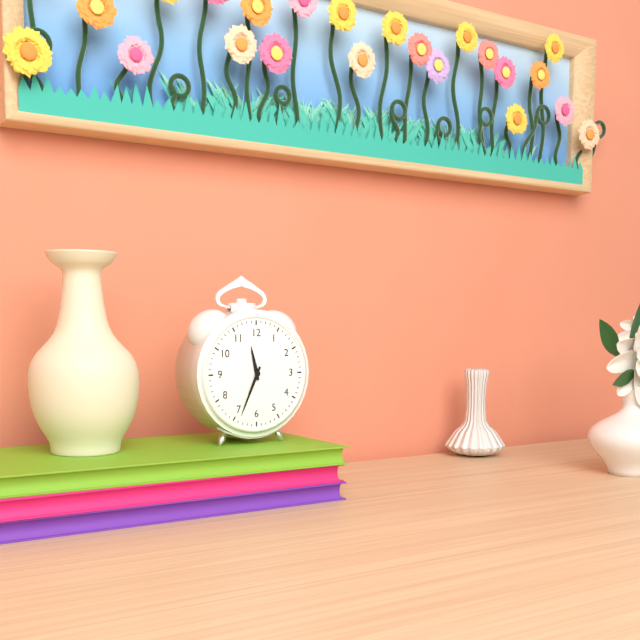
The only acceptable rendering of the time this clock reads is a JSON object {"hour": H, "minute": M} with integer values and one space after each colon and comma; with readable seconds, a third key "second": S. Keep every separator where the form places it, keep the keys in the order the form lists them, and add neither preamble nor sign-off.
{"hour": 11, "minute": 34}
